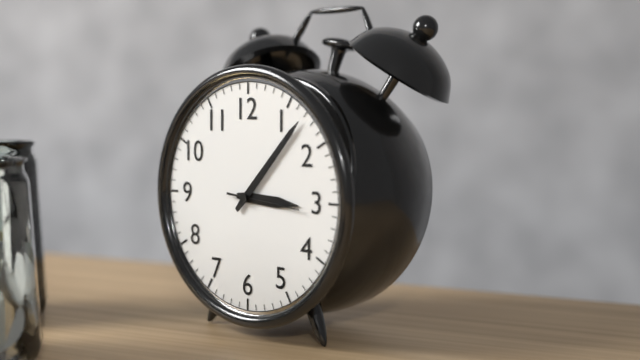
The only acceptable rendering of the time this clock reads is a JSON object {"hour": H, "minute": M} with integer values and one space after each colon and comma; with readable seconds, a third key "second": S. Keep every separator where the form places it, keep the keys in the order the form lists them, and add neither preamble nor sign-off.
{"hour": 3, "minute": 7, "second": 16}
